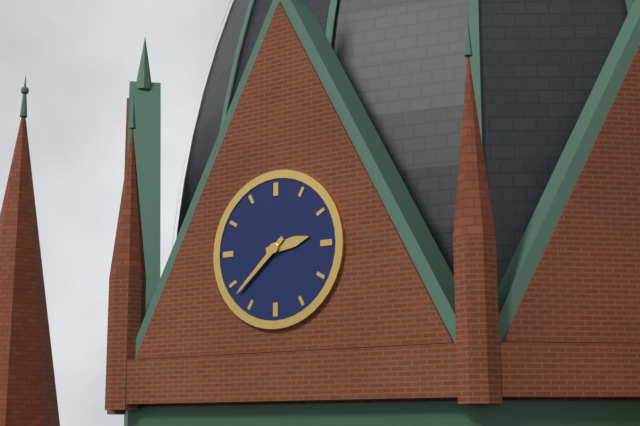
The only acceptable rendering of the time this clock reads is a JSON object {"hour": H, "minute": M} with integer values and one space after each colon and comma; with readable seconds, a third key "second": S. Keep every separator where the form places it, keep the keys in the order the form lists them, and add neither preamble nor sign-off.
{"hour": 2, "minute": 38}
